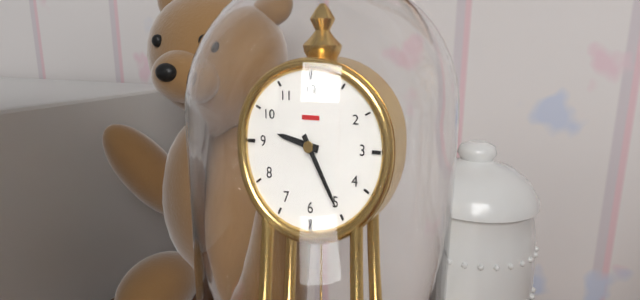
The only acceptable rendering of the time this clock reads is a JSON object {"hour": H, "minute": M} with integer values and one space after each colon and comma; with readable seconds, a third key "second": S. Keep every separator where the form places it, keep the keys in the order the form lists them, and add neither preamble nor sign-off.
{"hour": 9, "minute": 25}
